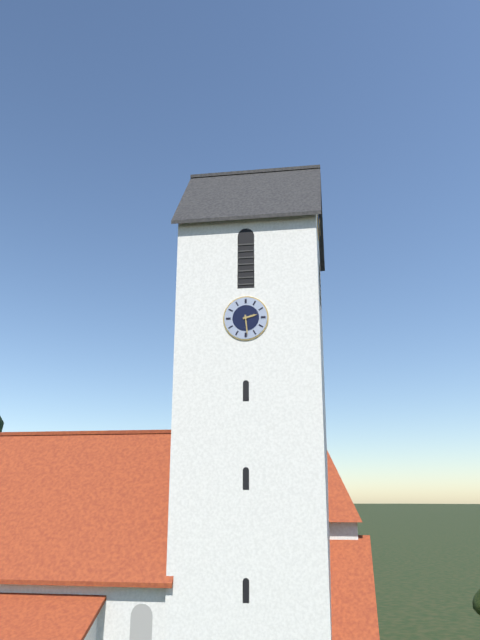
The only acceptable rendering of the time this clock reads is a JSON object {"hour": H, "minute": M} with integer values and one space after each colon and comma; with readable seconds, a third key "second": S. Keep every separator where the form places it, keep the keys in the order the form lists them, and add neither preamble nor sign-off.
{"hour": 2, "minute": 29}
